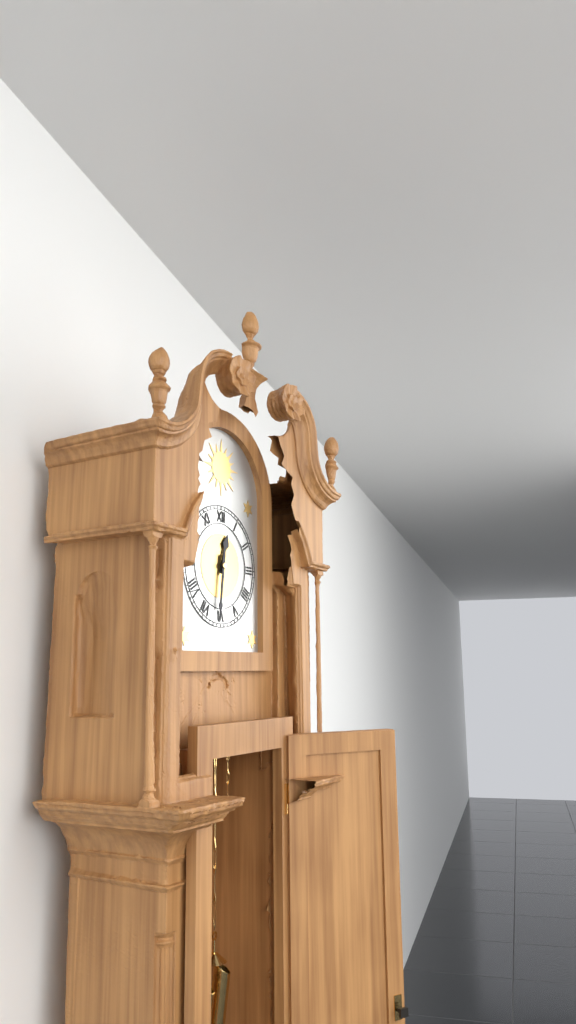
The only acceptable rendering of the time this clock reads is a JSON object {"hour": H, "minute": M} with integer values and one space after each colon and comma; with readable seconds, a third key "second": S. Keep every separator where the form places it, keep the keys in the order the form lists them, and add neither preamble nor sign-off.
{"hour": 12, "minute": 31}
